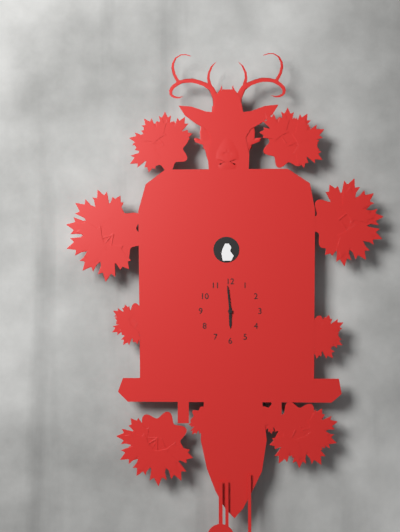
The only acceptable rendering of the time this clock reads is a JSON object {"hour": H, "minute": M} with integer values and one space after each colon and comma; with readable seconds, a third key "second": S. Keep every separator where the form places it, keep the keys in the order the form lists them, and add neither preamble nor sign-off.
{"hour": 5, "minute": 59}
